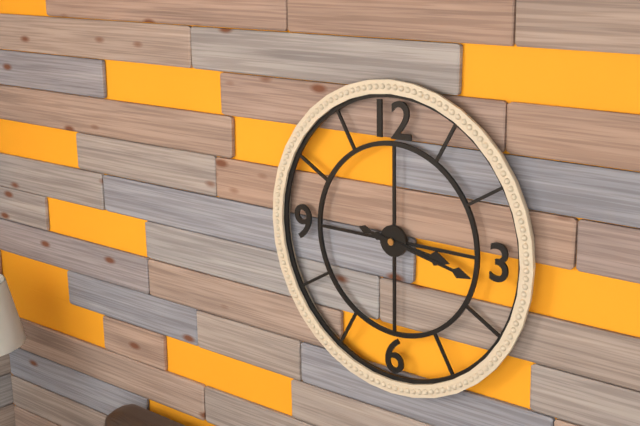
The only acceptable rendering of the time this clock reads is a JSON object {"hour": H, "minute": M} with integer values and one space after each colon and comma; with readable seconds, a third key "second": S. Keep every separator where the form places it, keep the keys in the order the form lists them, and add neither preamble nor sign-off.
{"hour": 3, "minute": 17}
